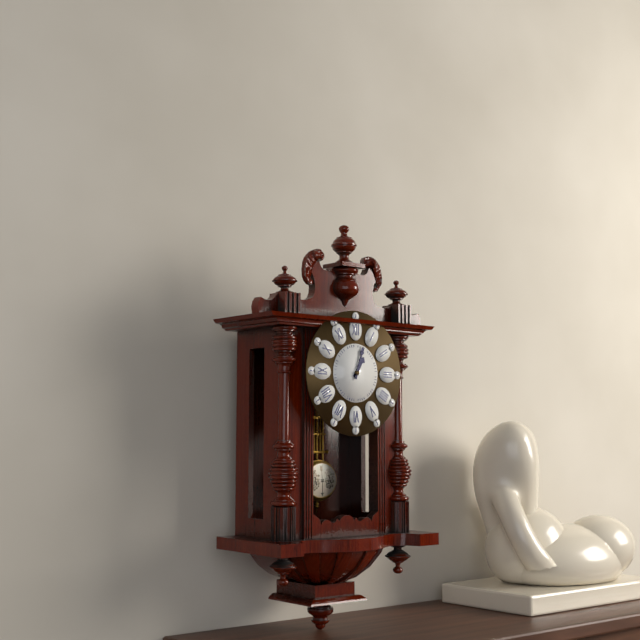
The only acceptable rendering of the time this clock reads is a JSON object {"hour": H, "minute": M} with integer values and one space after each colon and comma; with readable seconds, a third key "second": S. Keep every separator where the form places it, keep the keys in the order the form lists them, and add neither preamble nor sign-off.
{"hour": 1, "minute": 3}
